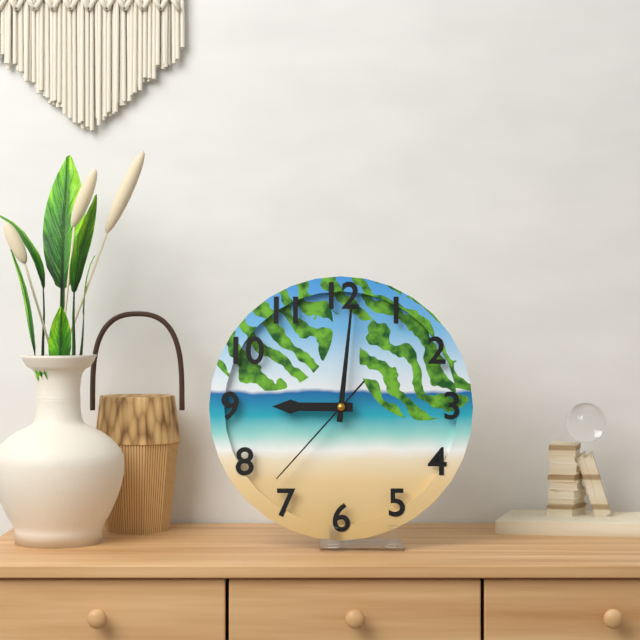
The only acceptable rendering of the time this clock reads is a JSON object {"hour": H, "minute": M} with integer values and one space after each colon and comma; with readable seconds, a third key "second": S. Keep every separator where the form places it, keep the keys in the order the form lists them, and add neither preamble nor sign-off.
{"hour": 9, "minute": 1, "second": 37}
